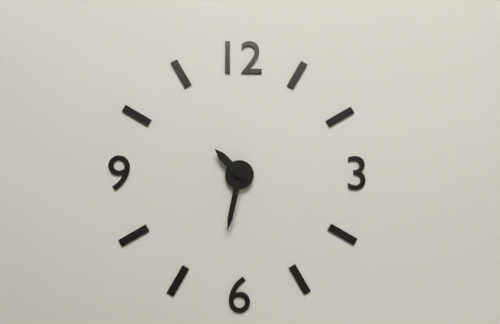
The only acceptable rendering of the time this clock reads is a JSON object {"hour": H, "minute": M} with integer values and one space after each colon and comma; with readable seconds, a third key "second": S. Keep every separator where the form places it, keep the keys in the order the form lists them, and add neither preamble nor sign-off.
{"hour": 10, "minute": 32}
